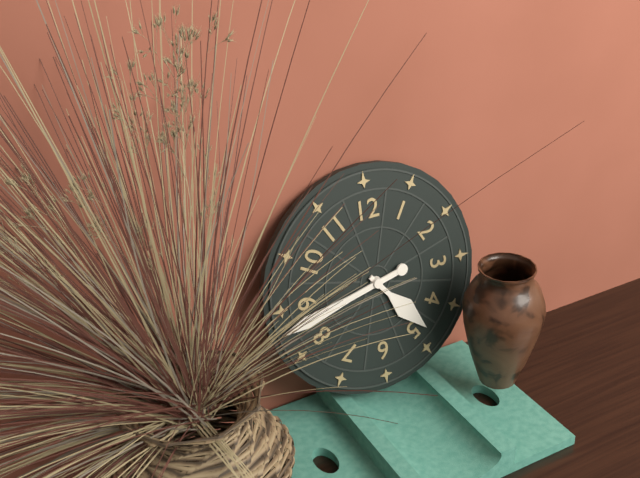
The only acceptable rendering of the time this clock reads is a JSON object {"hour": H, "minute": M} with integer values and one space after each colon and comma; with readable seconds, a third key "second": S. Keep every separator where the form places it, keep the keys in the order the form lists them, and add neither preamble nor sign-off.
{"hour": 4, "minute": 43}
